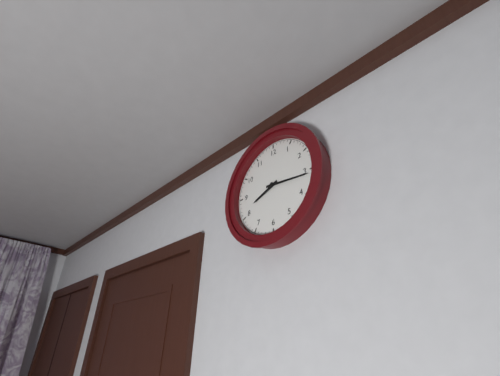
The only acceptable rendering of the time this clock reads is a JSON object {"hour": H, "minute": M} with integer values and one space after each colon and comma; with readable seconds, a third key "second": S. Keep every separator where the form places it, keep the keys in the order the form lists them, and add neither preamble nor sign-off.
{"hour": 8, "minute": 16}
